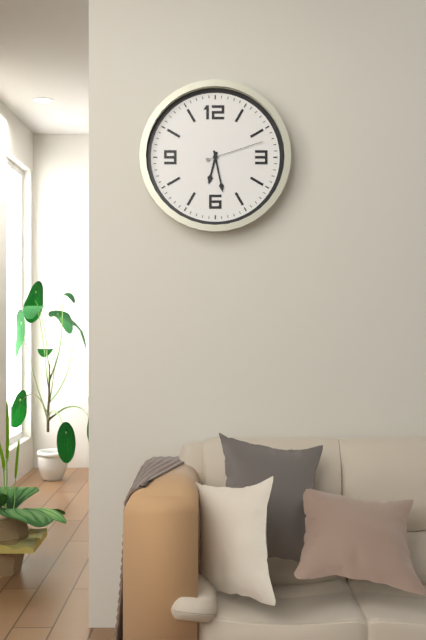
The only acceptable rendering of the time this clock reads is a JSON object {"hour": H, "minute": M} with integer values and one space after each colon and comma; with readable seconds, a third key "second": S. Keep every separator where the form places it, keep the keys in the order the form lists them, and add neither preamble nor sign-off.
{"hour": 6, "minute": 28, "second": 12}
